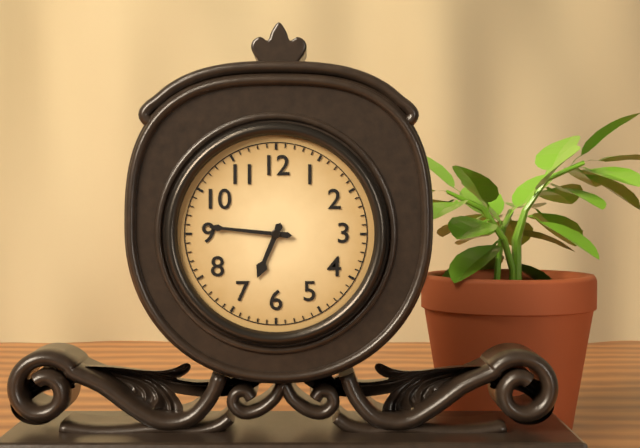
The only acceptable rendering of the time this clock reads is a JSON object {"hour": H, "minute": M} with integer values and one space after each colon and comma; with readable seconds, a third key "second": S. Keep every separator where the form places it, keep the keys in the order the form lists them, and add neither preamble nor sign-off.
{"hour": 6, "minute": 46}
